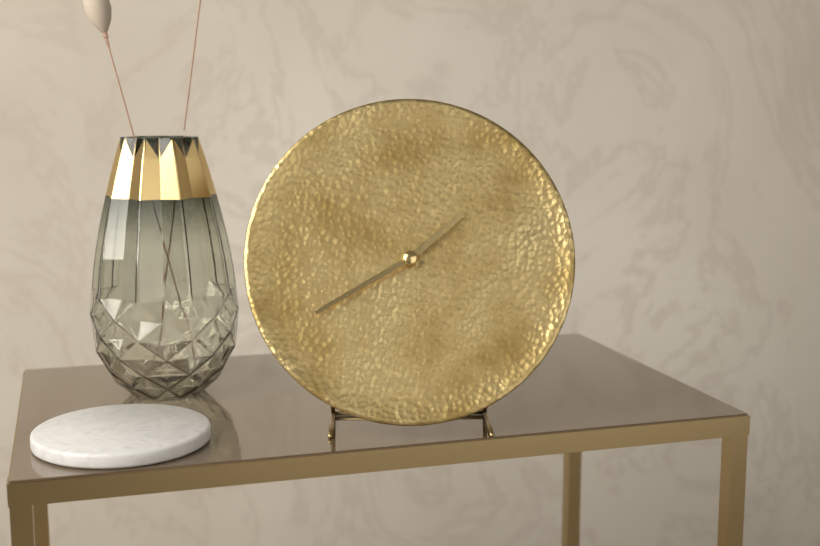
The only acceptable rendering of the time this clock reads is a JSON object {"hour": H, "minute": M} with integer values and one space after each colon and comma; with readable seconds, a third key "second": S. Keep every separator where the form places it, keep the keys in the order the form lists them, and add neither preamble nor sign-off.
{"hour": 1, "minute": 40}
